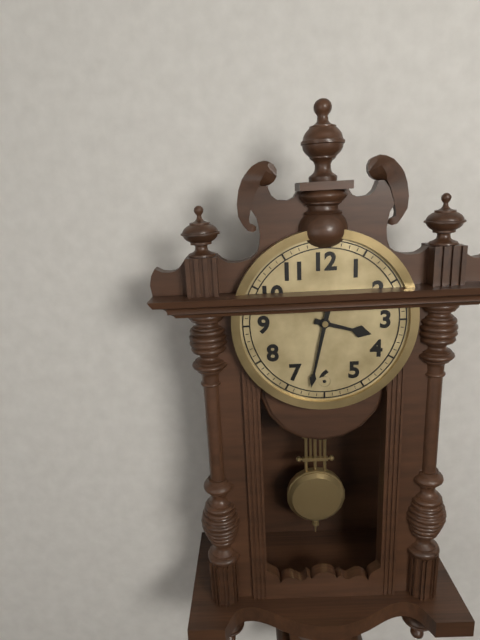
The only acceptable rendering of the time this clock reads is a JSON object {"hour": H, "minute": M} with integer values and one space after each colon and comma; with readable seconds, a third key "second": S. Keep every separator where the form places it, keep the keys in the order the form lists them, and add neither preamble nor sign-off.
{"hour": 3, "minute": 32}
